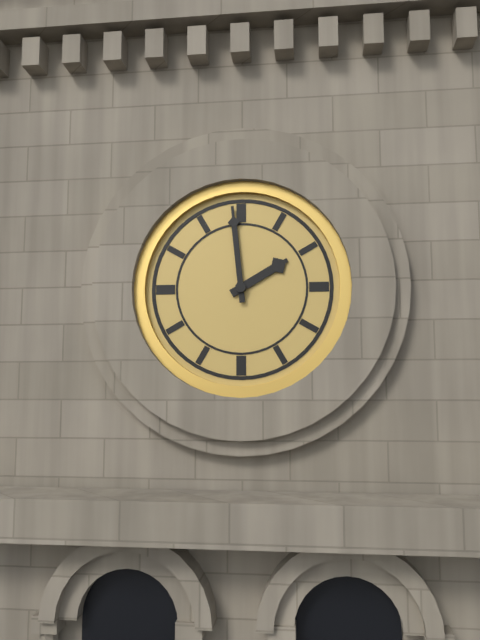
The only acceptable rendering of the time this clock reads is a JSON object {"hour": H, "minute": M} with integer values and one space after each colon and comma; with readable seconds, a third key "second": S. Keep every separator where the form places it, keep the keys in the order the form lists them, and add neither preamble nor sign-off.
{"hour": 1, "minute": 59}
